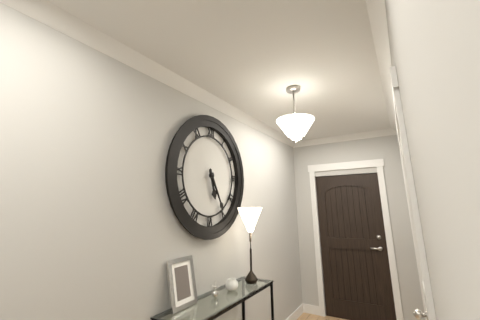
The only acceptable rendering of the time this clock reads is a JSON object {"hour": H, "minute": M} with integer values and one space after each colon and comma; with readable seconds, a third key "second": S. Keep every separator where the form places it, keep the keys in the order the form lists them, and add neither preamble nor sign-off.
{"hour": 5, "minute": 25}
